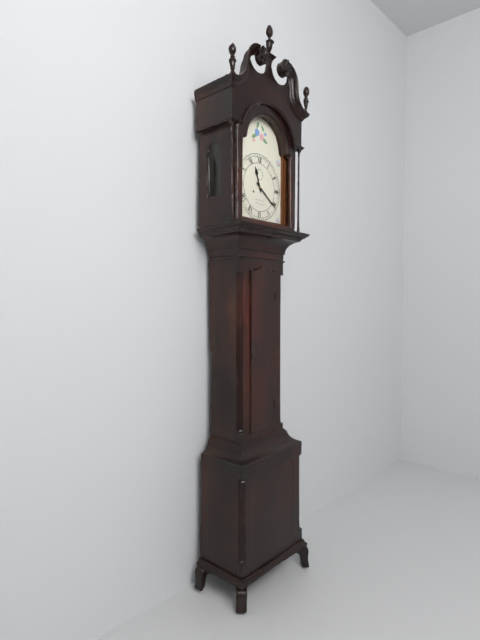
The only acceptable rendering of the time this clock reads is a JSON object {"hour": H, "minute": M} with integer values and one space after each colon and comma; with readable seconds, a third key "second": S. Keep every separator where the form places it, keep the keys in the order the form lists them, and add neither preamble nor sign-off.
{"hour": 11, "minute": 21}
